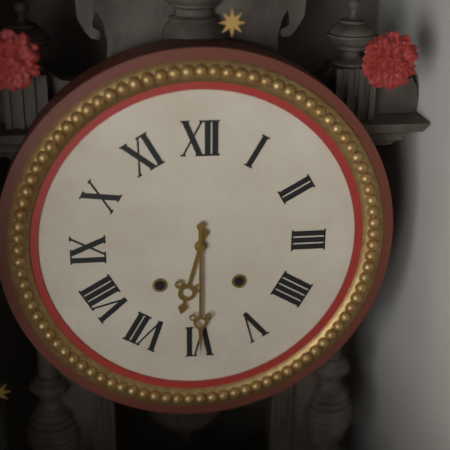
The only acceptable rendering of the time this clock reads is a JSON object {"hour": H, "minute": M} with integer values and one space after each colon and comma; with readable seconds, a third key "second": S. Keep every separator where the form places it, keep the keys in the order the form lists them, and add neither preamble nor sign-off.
{"hour": 6, "minute": 30}
